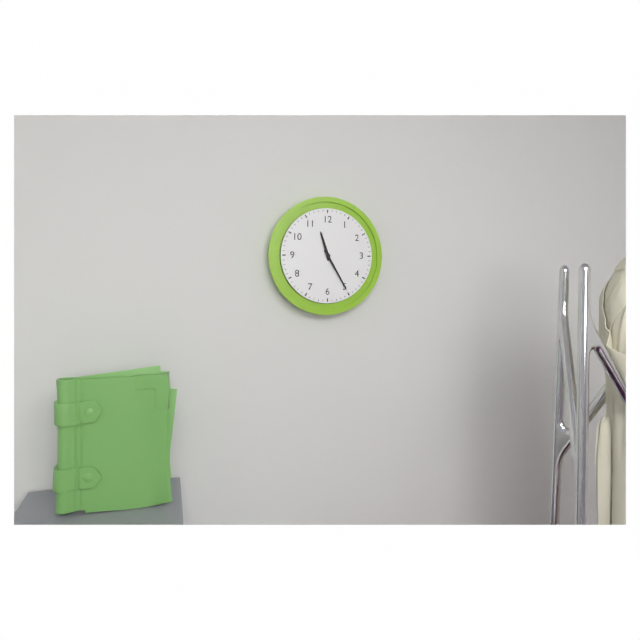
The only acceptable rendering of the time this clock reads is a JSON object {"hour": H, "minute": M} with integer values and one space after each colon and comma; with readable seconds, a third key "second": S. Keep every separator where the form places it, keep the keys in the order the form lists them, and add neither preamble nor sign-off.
{"hour": 11, "minute": 25}
